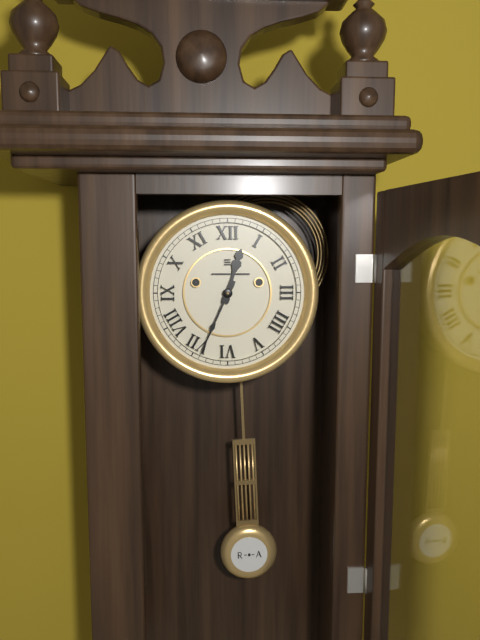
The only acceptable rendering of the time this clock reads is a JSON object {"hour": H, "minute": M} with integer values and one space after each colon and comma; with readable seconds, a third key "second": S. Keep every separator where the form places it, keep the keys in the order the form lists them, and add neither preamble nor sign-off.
{"hour": 12, "minute": 34}
